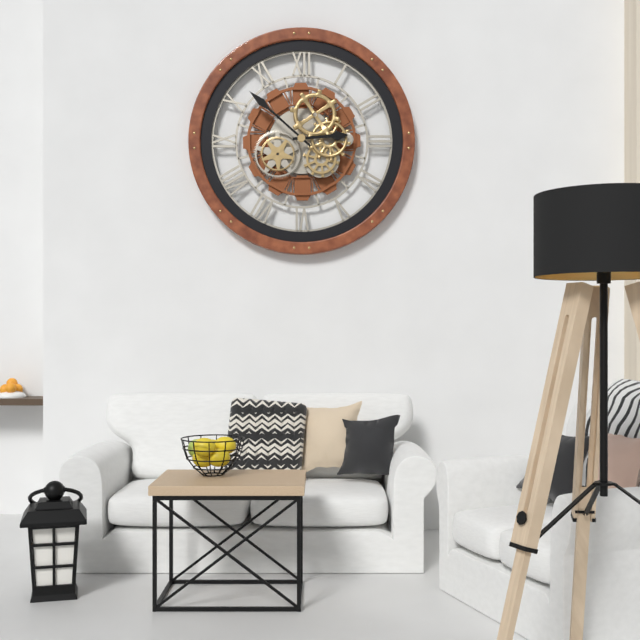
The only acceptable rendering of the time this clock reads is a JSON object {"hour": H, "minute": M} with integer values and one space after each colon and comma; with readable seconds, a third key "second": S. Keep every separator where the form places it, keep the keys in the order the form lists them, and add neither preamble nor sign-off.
{"hour": 2, "minute": 52}
